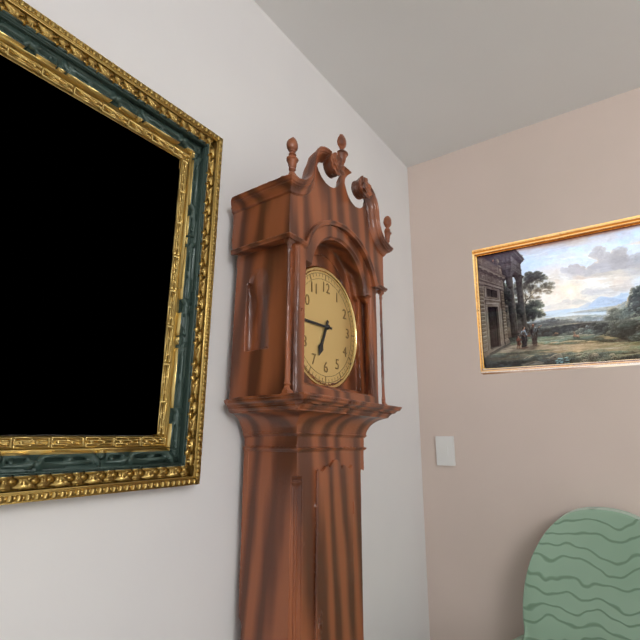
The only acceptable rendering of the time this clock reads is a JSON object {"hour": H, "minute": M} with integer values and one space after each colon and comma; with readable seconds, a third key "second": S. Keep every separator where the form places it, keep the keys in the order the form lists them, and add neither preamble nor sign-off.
{"hour": 6, "minute": 45}
